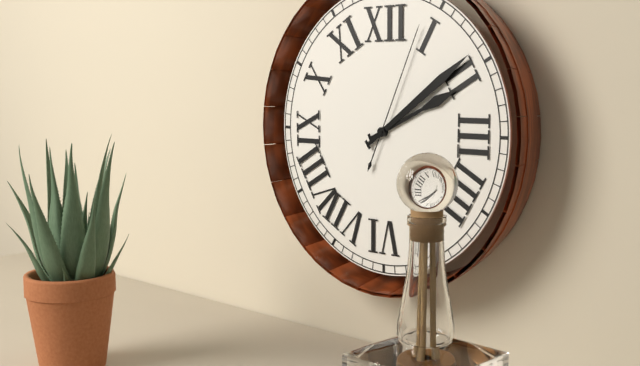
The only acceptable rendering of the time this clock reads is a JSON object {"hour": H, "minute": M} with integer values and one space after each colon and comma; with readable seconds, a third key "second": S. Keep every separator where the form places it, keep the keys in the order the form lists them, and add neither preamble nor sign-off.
{"hour": 2, "minute": 9, "second": 4}
